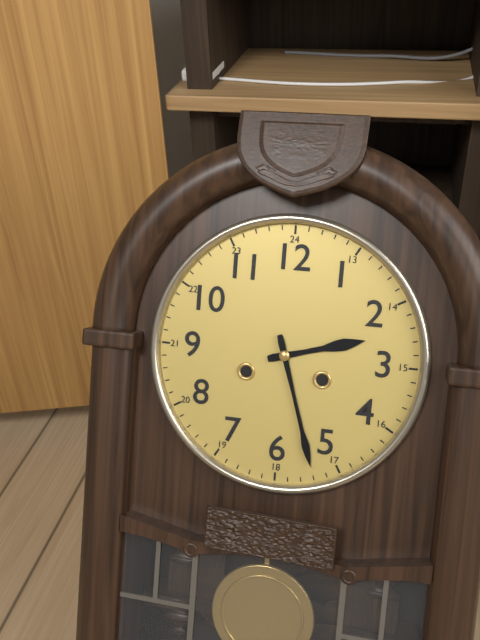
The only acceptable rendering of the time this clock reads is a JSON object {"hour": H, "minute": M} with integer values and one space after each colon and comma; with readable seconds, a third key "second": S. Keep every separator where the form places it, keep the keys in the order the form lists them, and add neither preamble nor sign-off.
{"hour": 2, "minute": 27}
